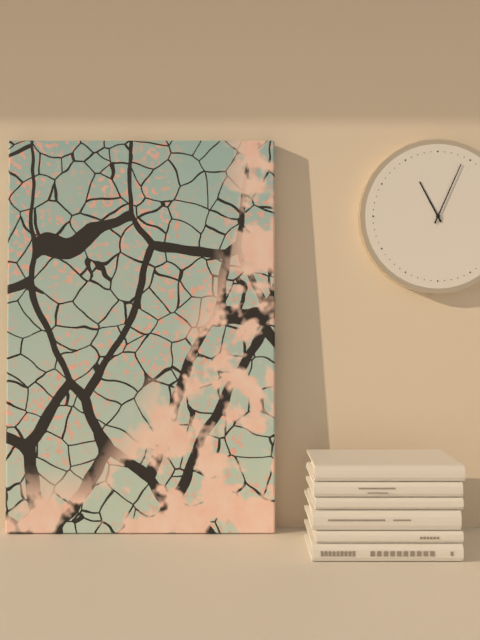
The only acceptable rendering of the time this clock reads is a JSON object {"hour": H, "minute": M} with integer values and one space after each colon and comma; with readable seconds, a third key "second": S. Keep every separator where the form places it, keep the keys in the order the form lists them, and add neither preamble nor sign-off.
{"hour": 11, "minute": 4}
